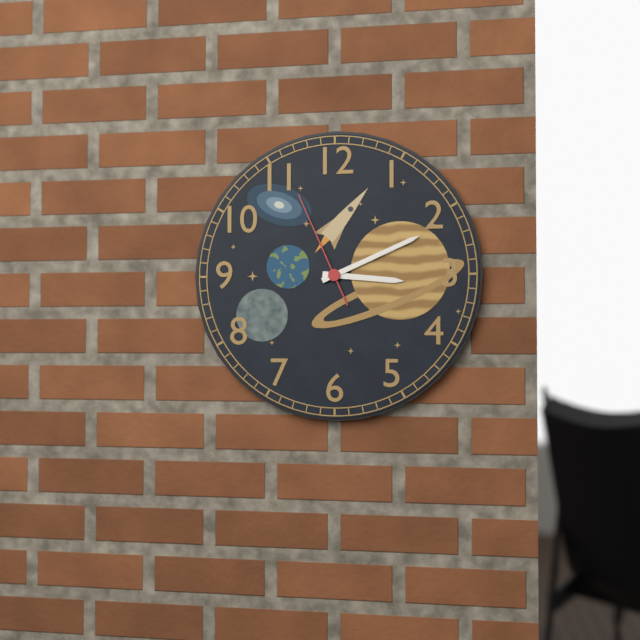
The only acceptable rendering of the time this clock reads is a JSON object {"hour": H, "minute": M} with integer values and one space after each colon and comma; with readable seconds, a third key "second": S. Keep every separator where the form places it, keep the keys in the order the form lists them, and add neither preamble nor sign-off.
{"hour": 3, "minute": 11, "second": 56}
